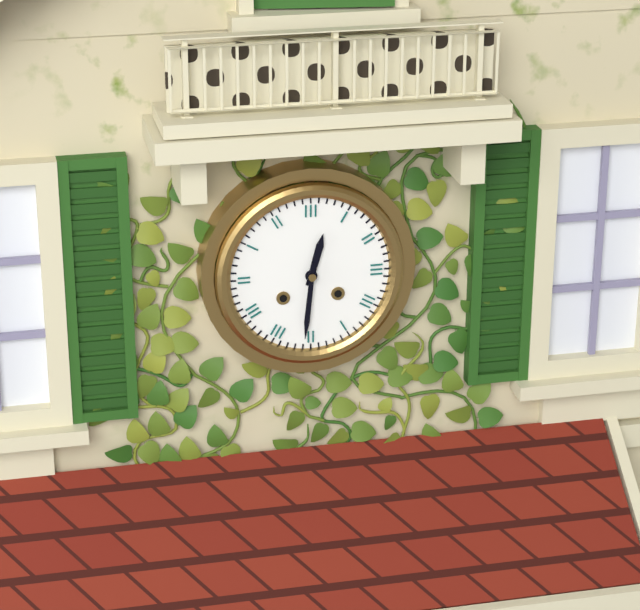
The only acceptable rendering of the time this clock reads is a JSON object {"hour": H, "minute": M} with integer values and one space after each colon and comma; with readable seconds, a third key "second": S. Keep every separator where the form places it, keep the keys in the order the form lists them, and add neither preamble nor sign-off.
{"hour": 12, "minute": 31}
